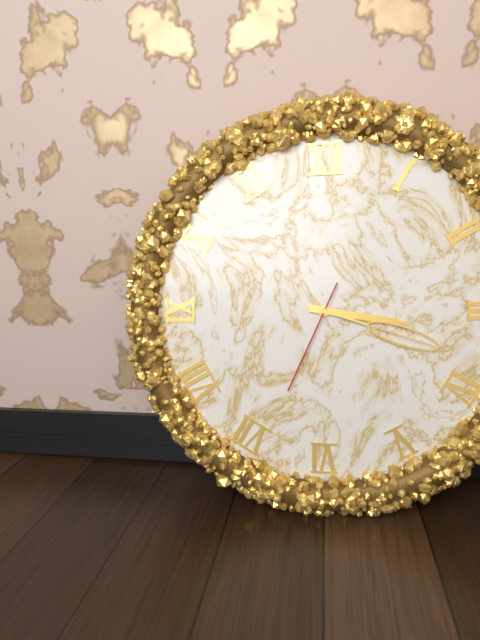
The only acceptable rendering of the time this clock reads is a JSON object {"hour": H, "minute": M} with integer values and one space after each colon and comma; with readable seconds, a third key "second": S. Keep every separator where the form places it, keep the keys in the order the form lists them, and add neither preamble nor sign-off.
{"hour": 3, "minute": 18, "second": 34}
